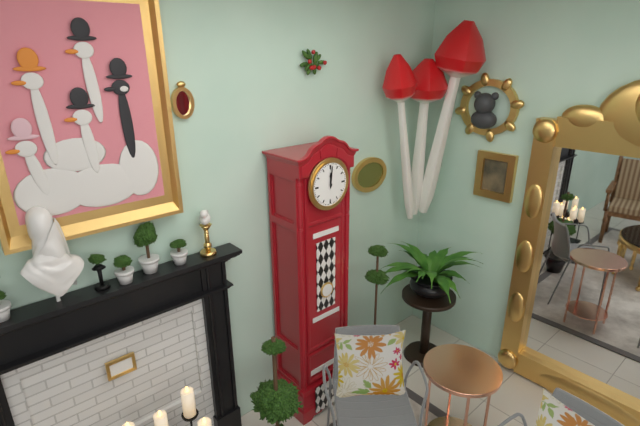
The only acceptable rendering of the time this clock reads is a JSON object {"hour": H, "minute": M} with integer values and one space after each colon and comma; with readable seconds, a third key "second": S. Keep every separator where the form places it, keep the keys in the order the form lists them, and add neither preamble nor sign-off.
{"hour": 12, "minute": 1}
